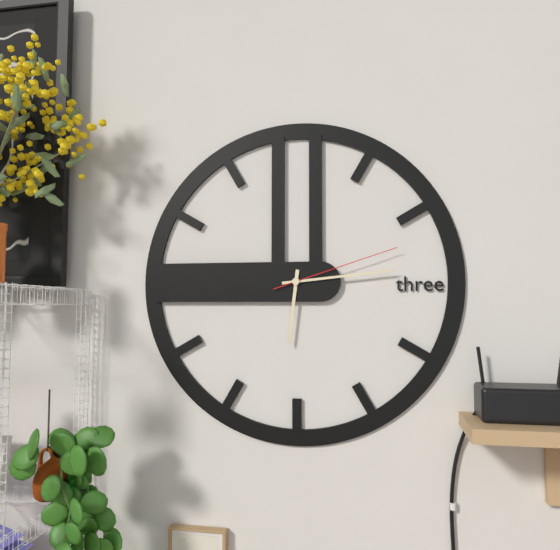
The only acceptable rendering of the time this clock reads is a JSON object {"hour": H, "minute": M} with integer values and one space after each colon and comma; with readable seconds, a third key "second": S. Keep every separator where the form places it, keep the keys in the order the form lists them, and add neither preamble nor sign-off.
{"hour": 6, "minute": 14, "second": 12}
